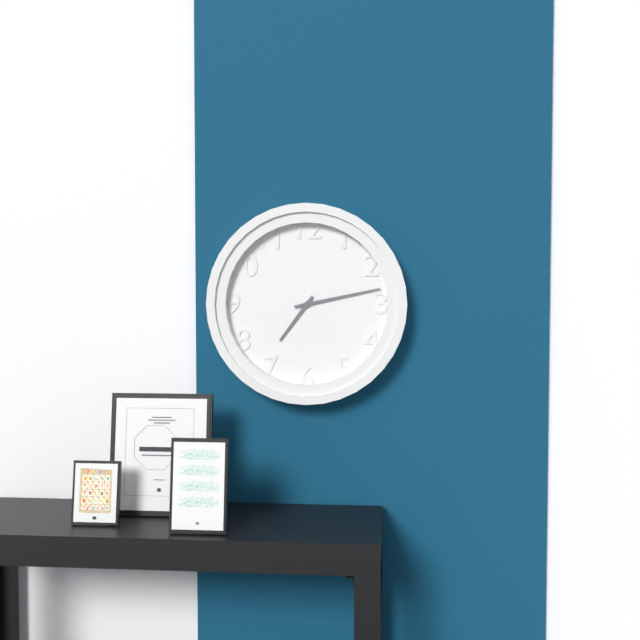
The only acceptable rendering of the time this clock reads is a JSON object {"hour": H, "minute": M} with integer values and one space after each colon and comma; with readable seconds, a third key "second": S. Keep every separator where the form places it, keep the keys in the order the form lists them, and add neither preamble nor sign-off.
{"hour": 7, "minute": 13}
